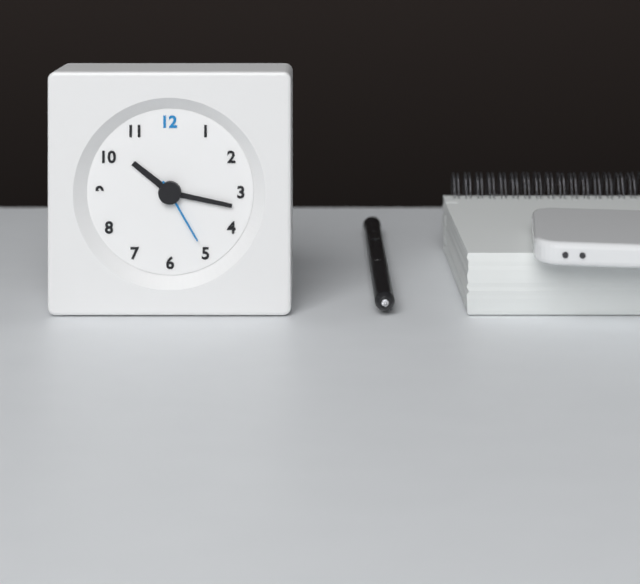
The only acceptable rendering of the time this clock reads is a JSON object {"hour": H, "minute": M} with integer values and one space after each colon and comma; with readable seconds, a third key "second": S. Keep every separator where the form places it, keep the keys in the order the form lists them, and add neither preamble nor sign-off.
{"hour": 10, "minute": 17, "second": 25}
